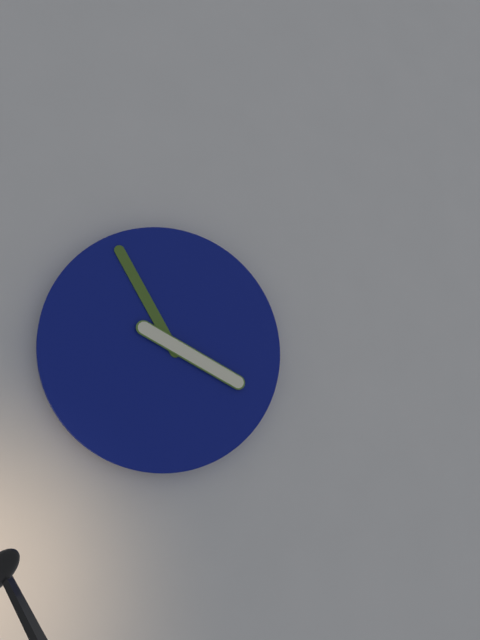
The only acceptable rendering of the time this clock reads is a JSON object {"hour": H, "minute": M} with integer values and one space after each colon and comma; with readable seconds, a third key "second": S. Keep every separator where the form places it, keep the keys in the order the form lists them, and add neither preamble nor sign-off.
{"hour": 3, "minute": 55}
